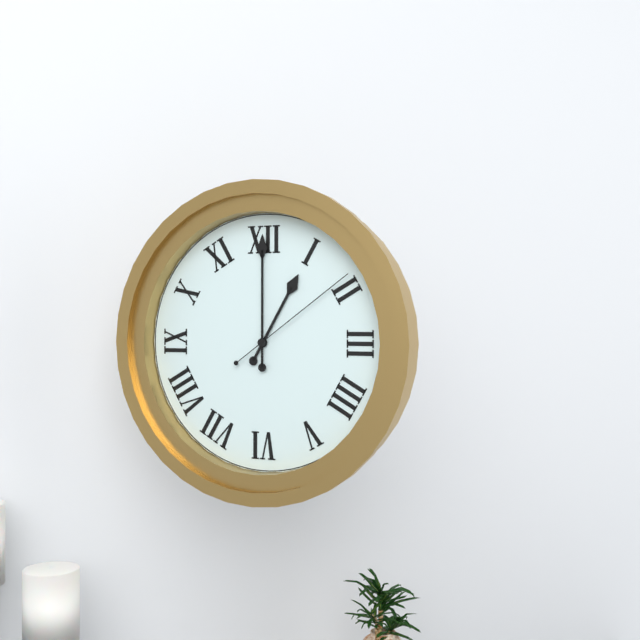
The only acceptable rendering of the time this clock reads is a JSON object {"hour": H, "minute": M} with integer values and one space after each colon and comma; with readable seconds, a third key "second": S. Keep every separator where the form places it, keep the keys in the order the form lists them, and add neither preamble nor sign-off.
{"hour": 1, "minute": 0, "second": 9}
